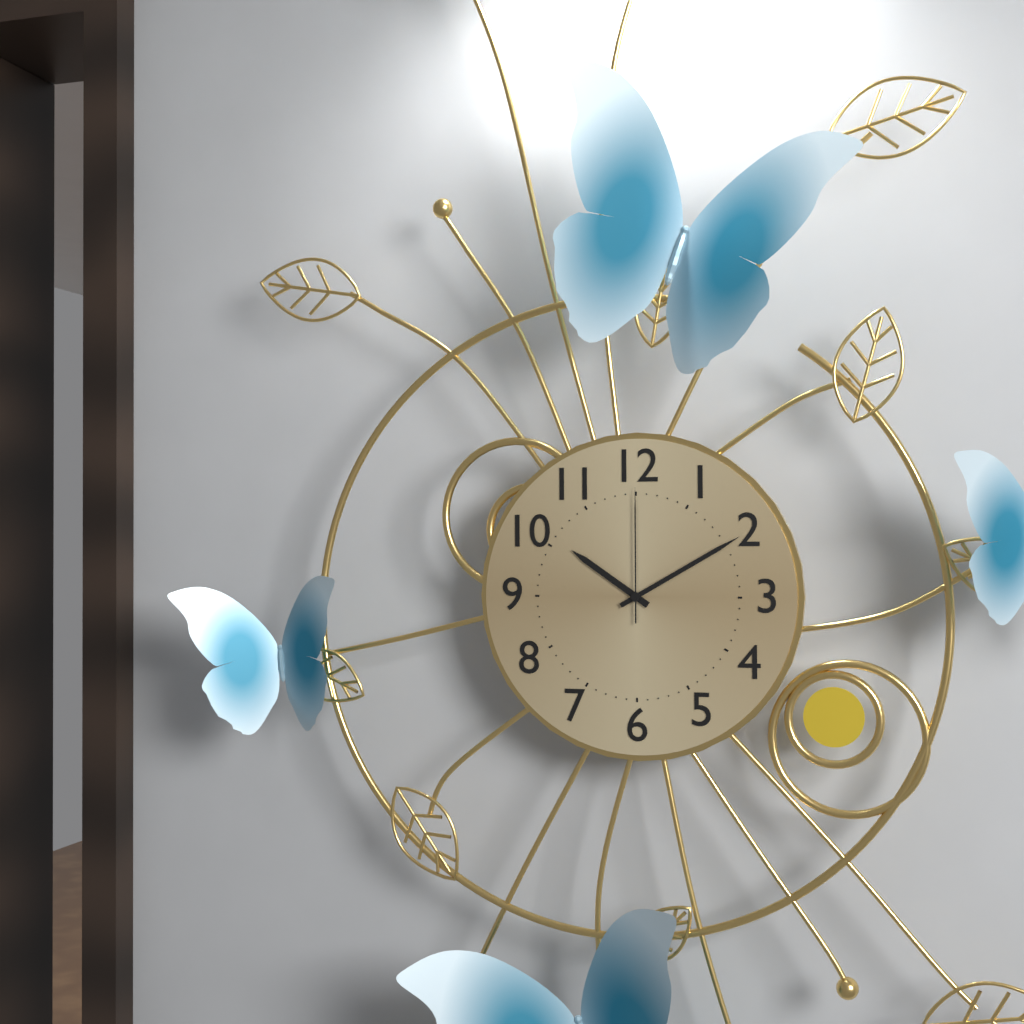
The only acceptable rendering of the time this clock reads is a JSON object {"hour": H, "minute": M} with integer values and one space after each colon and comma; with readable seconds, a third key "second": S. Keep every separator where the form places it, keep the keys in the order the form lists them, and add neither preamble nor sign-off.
{"hour": 10, "minute": 10, "second": 0}
